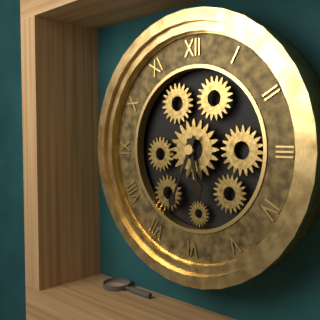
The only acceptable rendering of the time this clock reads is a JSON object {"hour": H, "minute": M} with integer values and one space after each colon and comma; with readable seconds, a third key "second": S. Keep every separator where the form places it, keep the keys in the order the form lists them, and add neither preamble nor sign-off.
{"hour": 5, "minute": 34}
